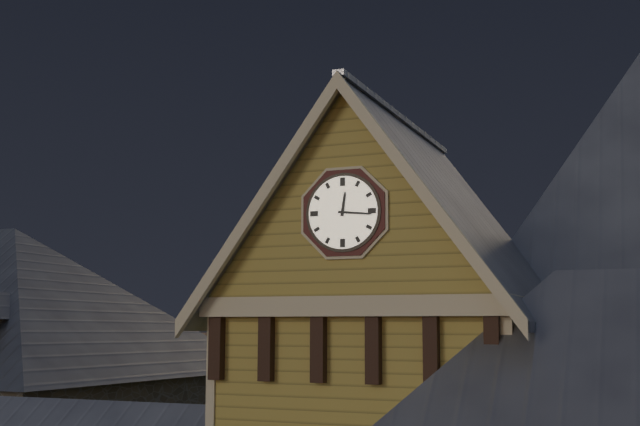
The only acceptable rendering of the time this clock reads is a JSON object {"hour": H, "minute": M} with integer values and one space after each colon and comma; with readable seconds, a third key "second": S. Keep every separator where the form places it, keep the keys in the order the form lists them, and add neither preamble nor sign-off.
{"hour": 12, "minute": 16}
